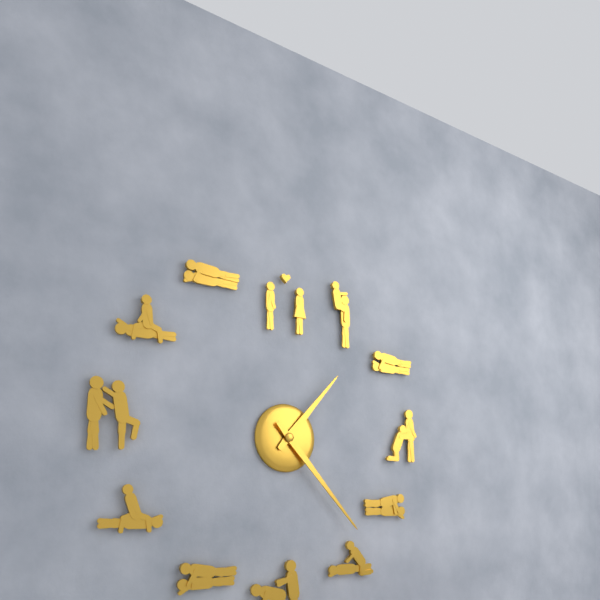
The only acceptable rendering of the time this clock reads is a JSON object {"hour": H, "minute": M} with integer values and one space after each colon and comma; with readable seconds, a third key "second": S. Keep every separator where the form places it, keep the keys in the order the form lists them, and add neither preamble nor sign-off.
{"hour": 1, "minute": 23}
